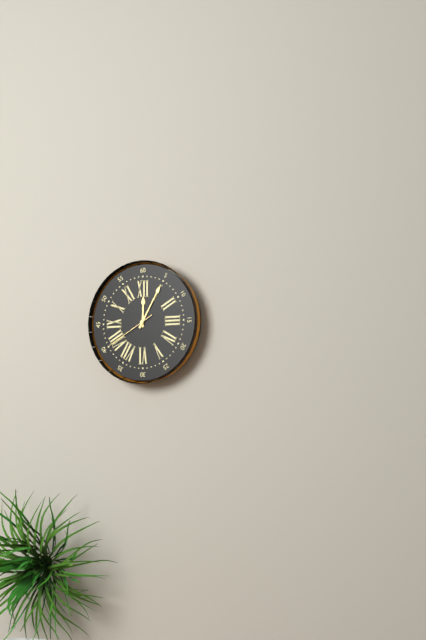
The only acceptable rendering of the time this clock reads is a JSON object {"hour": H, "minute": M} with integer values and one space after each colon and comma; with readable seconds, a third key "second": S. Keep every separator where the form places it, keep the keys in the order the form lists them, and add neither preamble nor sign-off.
{"hour": 12, "minute": 5, "second": 40}
